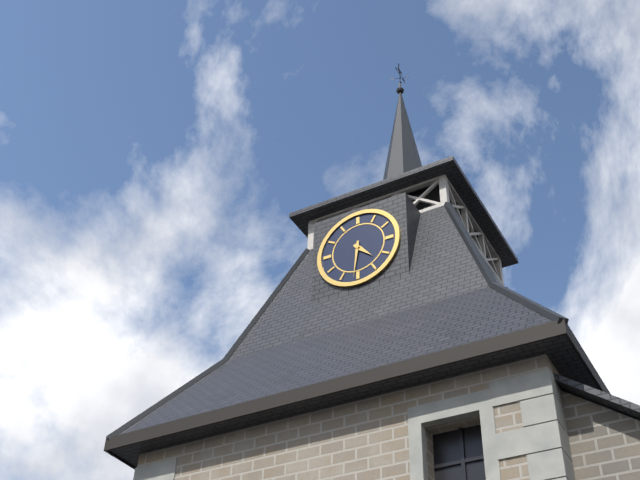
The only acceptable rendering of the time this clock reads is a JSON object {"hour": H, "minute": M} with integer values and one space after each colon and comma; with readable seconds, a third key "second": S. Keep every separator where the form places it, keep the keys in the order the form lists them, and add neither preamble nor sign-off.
{"hour": 4, "minute": 31}
